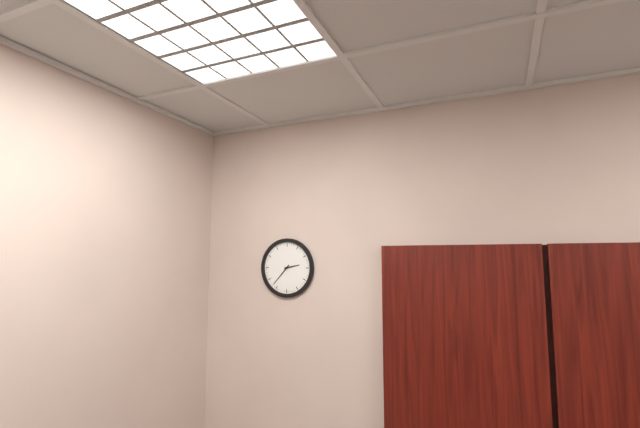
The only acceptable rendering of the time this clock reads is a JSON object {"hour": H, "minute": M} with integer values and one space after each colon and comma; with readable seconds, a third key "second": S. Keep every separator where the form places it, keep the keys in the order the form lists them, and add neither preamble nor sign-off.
{"hour": 2, "minute": 37}
